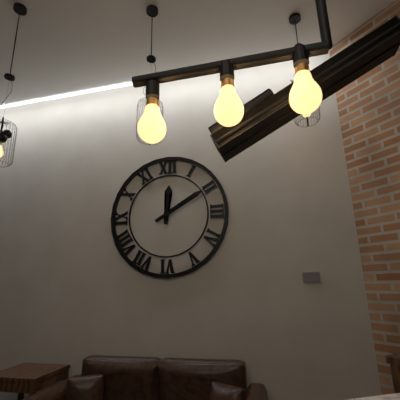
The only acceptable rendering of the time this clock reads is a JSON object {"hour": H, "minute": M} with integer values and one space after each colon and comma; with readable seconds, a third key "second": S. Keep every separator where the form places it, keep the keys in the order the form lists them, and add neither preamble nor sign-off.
{"hour": 12, "minute": 10}
